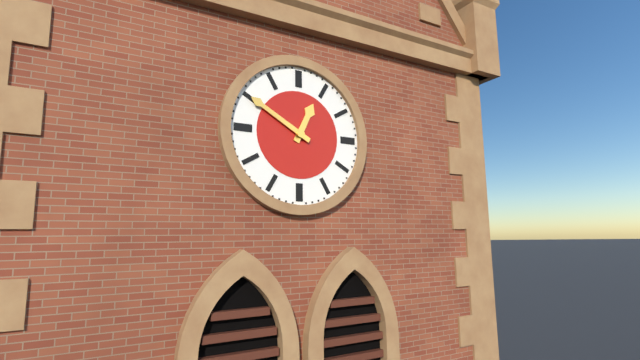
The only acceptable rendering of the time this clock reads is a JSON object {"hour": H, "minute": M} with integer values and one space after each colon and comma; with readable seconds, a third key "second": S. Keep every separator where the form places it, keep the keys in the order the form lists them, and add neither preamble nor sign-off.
{"hour": 12, "minute": 50}
